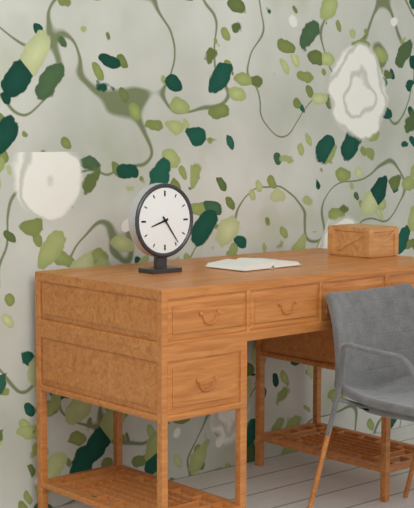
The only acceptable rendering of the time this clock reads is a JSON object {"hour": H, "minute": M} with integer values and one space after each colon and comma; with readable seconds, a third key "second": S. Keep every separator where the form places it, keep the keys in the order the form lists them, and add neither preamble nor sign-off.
{"hour": 8, "minute": 24}
